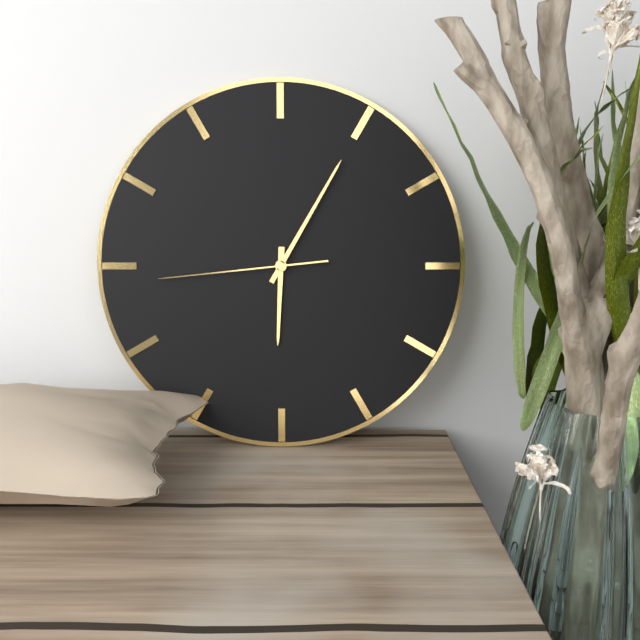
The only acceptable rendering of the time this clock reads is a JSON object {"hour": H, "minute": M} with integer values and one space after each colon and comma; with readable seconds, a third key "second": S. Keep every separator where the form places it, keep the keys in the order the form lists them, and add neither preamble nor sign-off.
{"hour": 6, "minute": 5, "second": 44}
